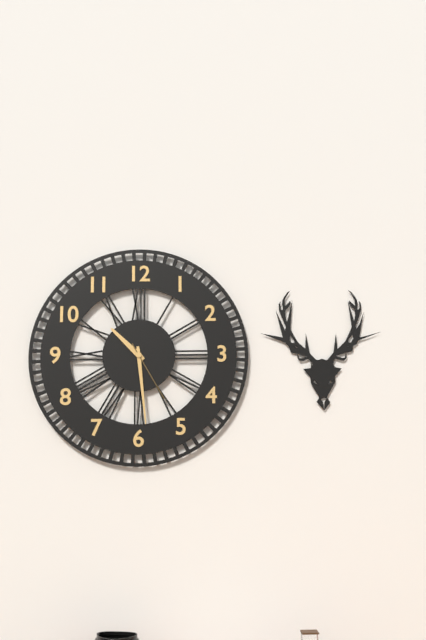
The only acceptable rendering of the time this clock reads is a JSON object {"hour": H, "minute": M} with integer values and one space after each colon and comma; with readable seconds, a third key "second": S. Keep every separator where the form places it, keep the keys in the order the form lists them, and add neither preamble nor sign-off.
{"hour": 10, "minute": 29, "second": 25}
